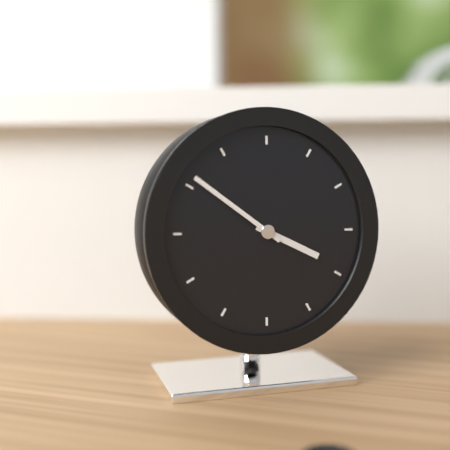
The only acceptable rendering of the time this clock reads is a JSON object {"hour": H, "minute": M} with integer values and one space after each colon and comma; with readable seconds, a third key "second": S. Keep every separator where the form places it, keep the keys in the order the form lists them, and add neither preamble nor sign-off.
{"hour": 3, "minute": 51}
